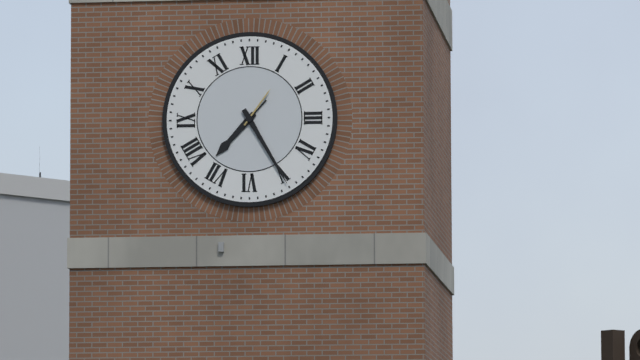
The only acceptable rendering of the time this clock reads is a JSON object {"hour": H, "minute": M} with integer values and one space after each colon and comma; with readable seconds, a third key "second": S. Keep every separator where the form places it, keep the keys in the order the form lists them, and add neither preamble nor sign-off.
{"hour": 7, "minute": 25}
